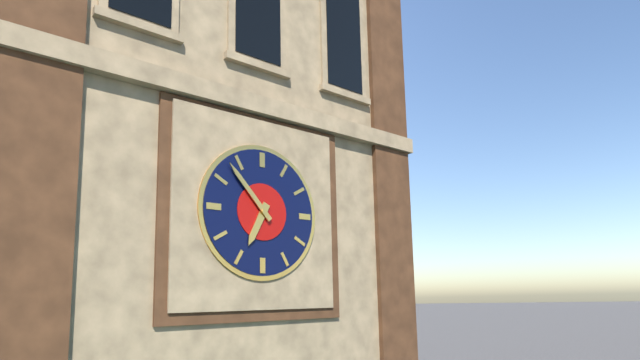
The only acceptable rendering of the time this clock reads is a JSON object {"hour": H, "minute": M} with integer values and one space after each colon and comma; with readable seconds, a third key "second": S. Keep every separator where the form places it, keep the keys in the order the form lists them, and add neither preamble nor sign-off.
{"hour": 6, "minute": 53}
